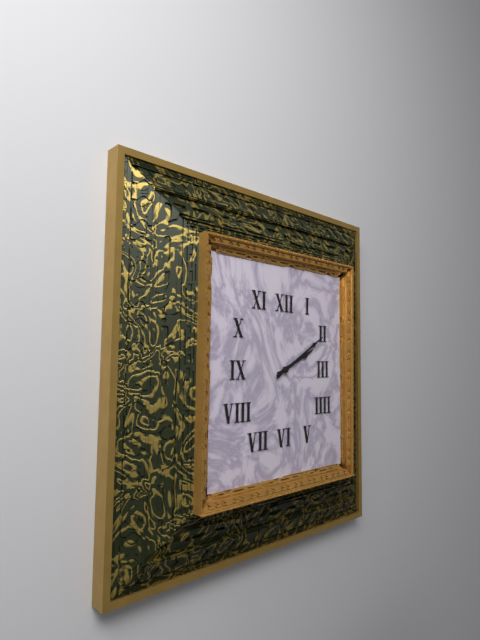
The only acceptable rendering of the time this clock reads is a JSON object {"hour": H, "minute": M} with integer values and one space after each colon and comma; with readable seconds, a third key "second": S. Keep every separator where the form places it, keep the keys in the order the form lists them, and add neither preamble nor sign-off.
{"hour": 2, "minute": 10}
